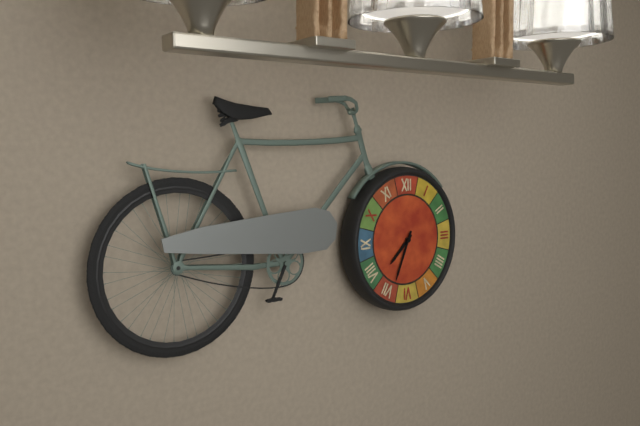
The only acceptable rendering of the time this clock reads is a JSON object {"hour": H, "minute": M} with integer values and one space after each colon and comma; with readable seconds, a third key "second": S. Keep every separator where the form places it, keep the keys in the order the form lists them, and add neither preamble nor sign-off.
{"hour": 7, "minute": 34}
